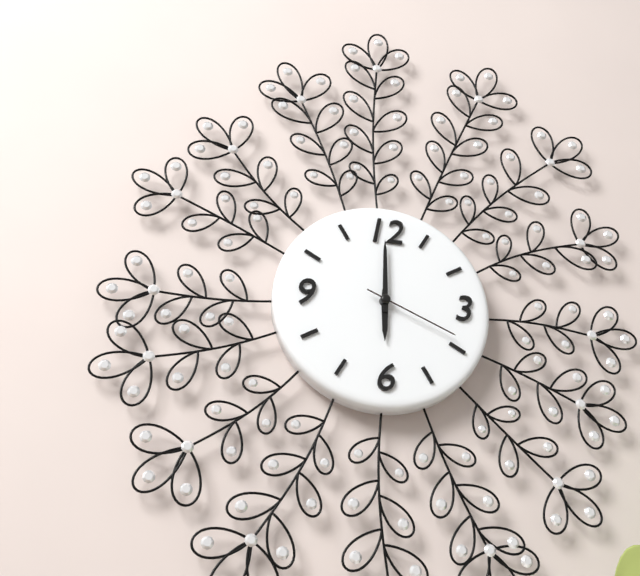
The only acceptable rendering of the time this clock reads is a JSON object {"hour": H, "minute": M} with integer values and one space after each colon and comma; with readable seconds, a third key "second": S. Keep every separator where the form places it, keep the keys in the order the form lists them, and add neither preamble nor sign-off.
{"hour": 6, "minute": 0, "second": 19}
